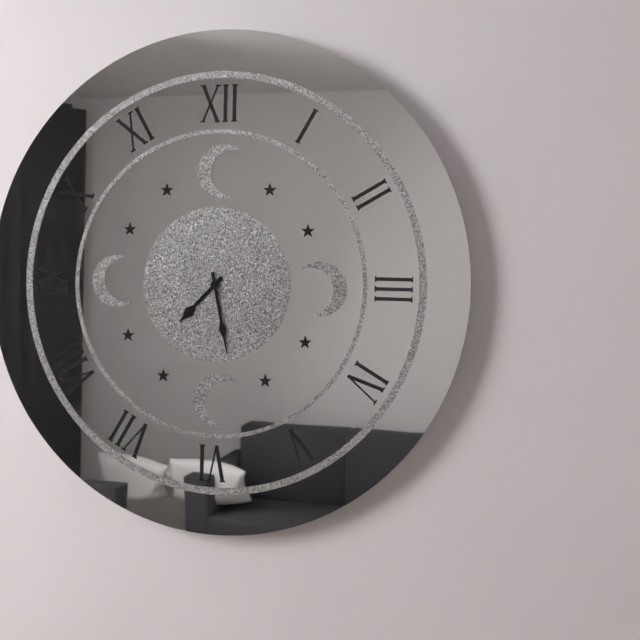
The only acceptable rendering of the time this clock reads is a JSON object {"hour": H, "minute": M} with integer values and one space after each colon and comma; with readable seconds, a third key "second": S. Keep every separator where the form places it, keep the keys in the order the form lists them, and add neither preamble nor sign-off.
{"hour": 7, "minute": 28}
